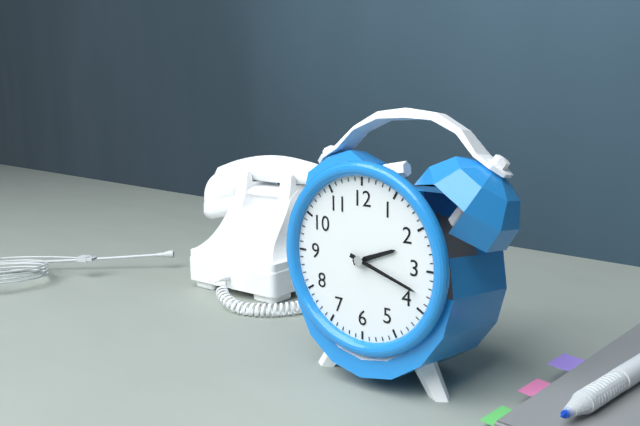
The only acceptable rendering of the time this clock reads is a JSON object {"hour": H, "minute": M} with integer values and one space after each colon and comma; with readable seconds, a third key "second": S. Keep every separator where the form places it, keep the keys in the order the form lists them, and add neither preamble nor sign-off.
{"hour": 2, "minute": 18}
